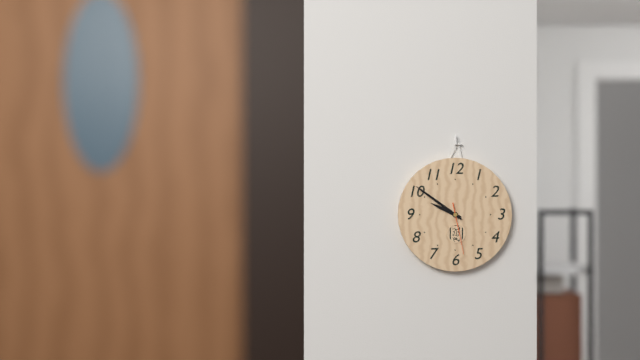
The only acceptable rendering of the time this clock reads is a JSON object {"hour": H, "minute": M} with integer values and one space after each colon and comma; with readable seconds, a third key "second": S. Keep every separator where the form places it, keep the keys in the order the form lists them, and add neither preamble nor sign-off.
{"hour": 9, "minute": 51, "second": 28}
